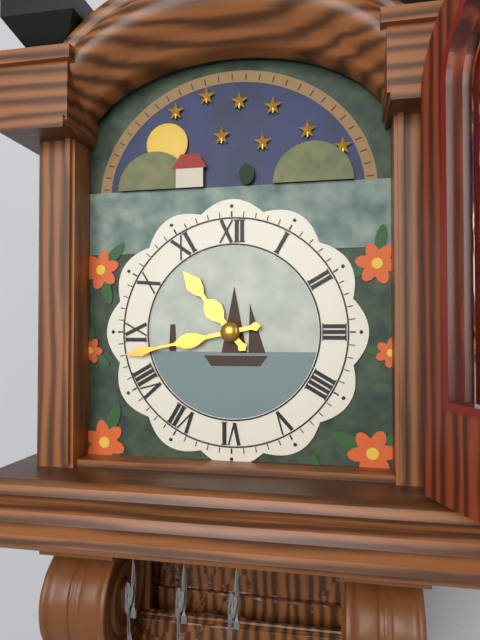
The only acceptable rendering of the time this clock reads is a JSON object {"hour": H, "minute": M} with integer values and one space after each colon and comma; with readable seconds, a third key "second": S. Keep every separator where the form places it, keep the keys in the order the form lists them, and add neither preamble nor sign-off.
{"hour": 10, "minute": 43}
